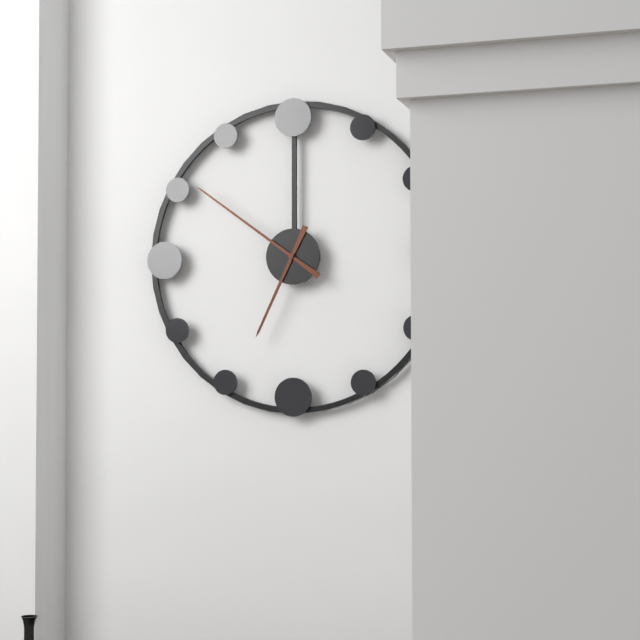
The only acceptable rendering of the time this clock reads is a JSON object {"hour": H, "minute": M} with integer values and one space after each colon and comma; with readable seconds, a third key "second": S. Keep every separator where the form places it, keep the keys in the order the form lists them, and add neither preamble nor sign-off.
{"hour": 6, "minute": 51}
